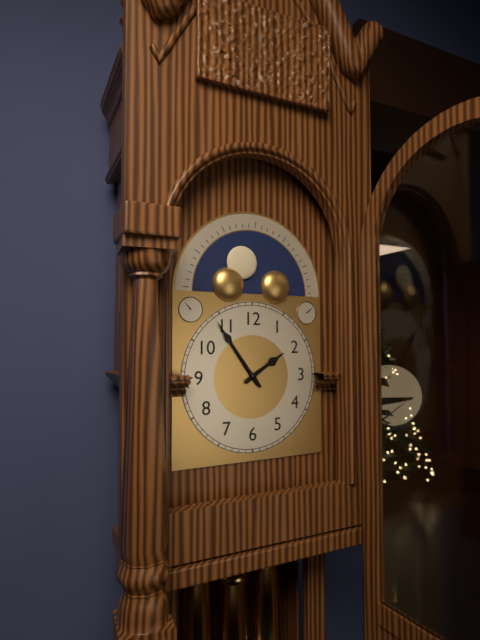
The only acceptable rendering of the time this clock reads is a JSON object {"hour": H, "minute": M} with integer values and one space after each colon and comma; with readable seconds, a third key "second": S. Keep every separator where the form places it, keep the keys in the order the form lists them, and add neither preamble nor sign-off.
{"hour": 1, "minute": 54}
